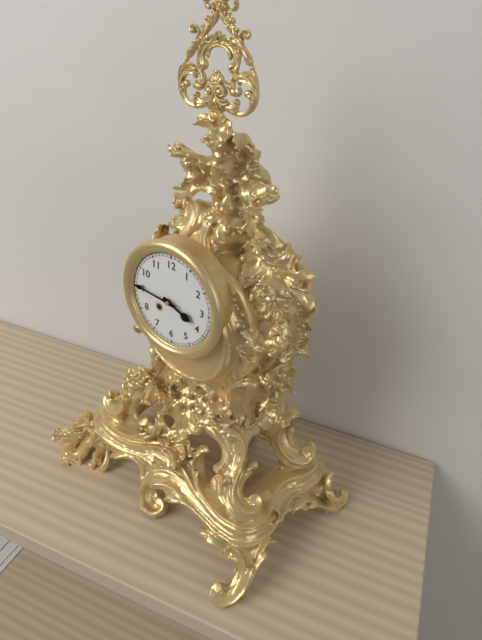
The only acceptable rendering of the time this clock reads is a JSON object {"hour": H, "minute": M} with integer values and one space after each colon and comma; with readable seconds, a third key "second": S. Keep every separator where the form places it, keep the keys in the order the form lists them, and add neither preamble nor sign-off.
{"hour": 3, "minute": 46}
